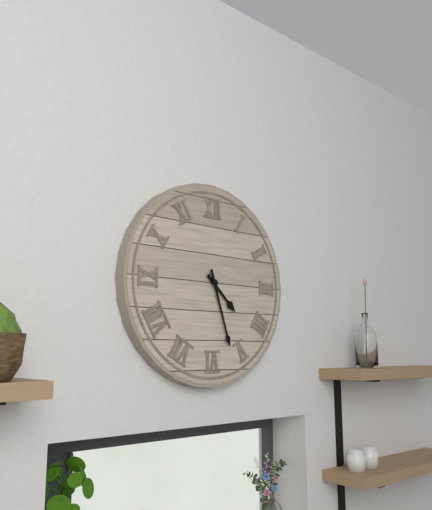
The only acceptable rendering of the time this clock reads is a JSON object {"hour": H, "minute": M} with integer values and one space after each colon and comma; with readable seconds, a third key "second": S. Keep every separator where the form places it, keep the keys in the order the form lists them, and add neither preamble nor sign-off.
{"hour": 4, "minute": 27}
